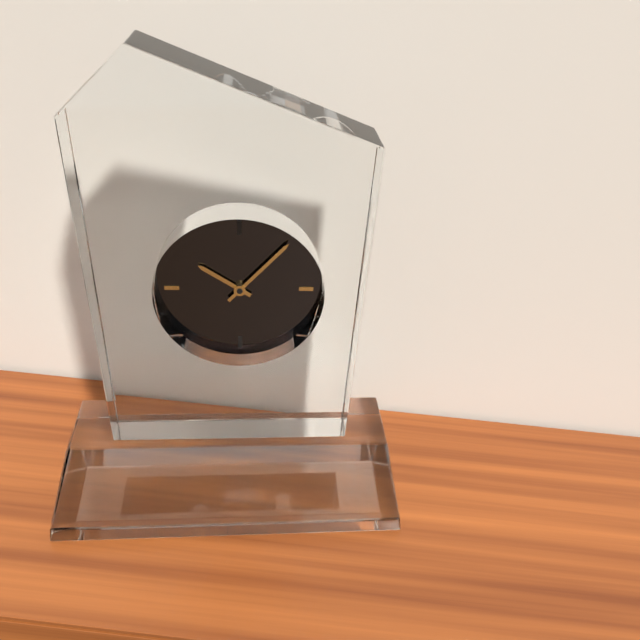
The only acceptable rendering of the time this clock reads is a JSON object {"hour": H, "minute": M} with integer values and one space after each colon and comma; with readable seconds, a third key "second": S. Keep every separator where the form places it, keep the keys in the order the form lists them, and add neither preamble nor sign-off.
{"hour": 10, "minute": 7}
